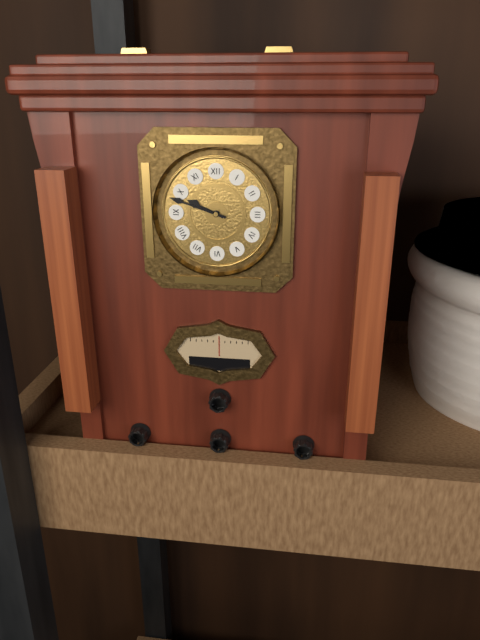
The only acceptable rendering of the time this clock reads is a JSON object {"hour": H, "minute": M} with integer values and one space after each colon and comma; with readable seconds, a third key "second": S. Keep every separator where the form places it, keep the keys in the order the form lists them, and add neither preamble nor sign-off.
{"hour": 9, "minute": 48}
